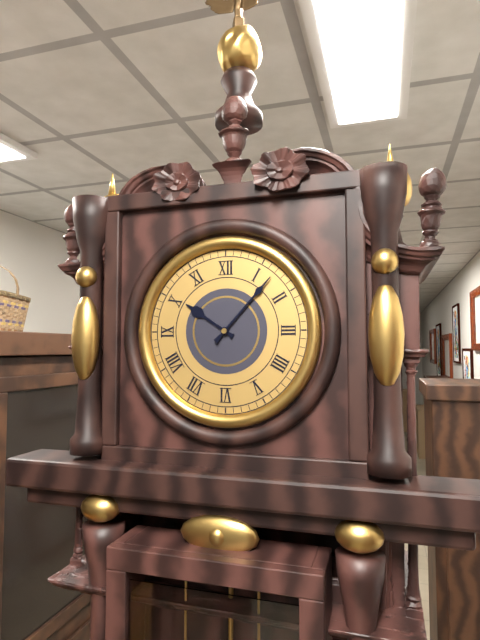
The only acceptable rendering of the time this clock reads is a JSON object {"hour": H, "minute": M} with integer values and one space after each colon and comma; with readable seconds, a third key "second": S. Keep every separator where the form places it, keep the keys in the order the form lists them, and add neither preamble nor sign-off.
{"hour": 10, "minute": 7}
